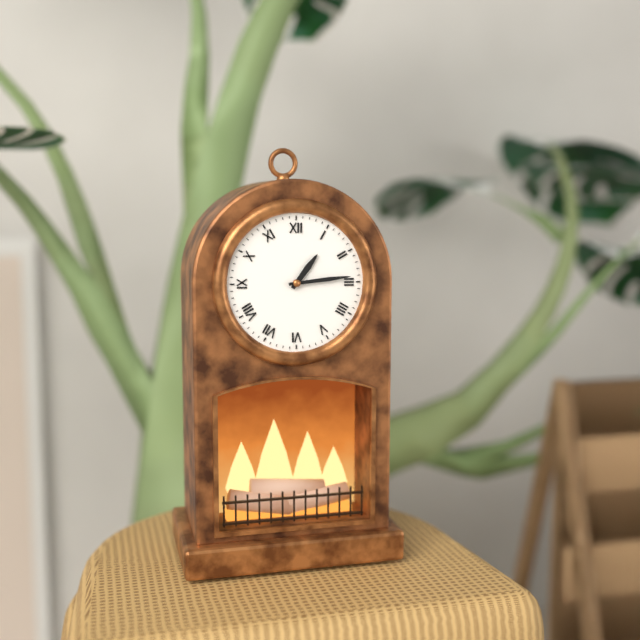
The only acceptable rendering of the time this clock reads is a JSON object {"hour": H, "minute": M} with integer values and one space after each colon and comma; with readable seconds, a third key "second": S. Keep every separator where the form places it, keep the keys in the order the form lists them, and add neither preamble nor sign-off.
{"hour": 1, "minute": 14}
